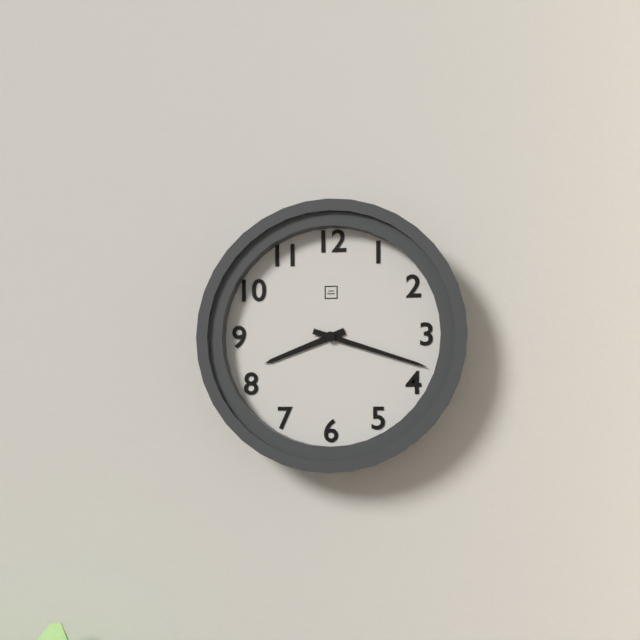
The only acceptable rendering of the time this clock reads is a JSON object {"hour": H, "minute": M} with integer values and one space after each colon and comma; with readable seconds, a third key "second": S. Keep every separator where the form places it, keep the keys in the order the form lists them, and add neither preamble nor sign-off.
{"hour": 8, "minute": 18}
